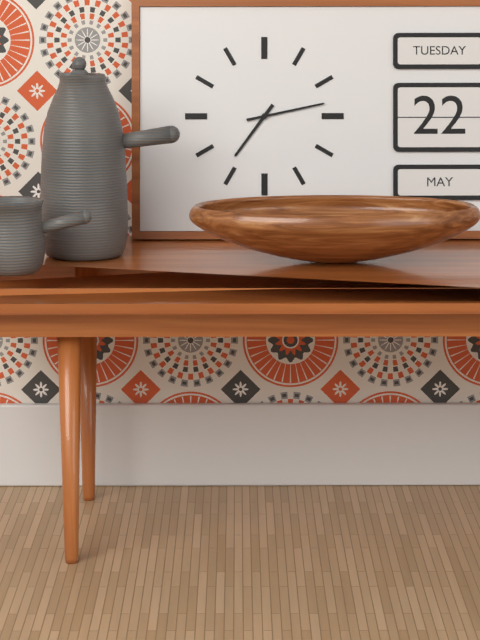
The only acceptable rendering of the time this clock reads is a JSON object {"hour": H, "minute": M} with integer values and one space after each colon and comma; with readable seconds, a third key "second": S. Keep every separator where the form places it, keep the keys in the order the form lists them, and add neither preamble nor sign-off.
{"hour": 7, "minute": 13}
